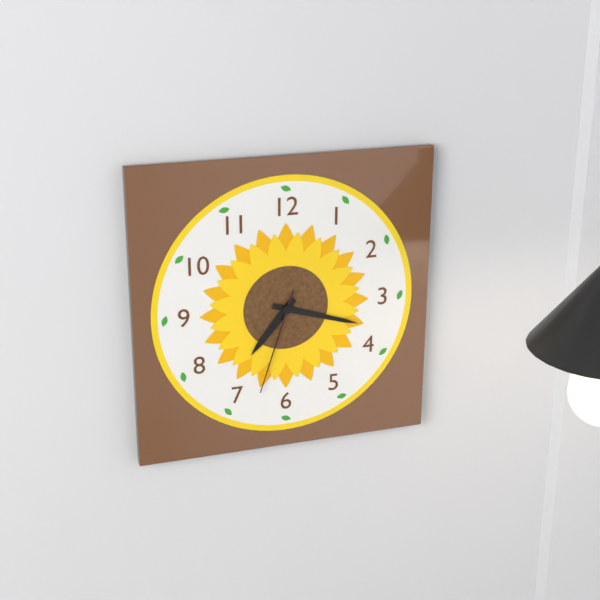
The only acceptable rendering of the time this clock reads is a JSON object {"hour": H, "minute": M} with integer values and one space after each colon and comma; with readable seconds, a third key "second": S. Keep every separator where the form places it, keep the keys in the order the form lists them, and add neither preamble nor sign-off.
{"hour": 7, "minute": 18, "second": 33}
